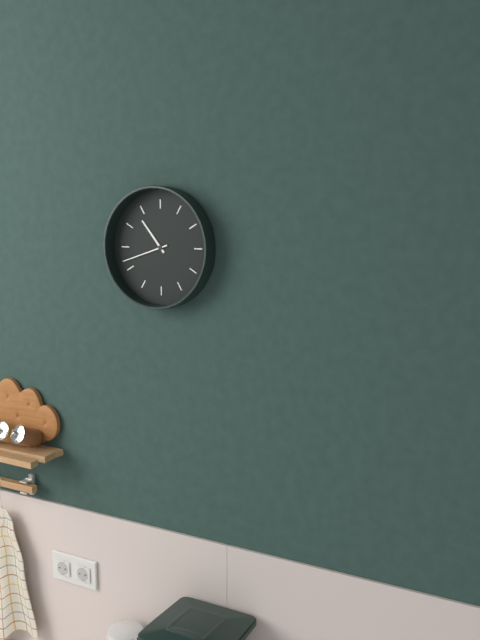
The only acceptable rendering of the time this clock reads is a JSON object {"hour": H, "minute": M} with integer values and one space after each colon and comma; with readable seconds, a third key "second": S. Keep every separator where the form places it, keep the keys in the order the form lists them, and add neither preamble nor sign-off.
{"hour": 10, "minute": 42}
